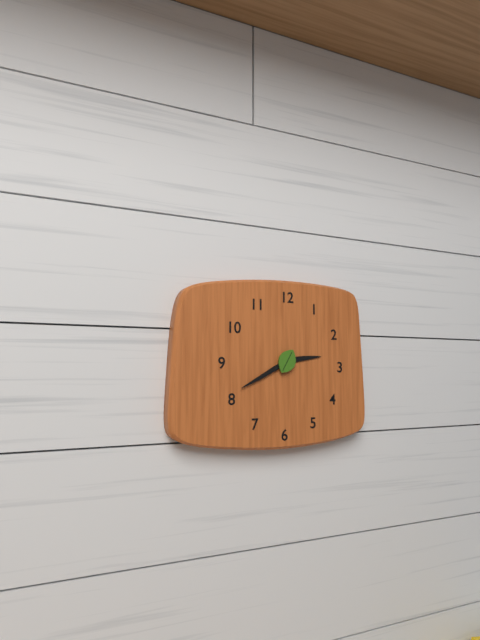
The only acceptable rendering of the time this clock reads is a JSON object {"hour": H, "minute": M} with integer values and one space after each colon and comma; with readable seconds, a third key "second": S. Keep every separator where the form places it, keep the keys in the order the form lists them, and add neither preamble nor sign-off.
{"hour": 2, "minute": 40}
